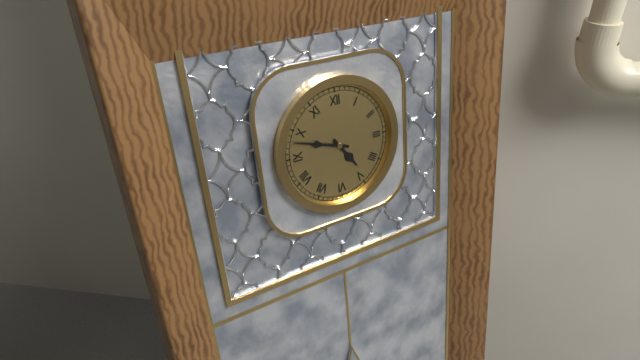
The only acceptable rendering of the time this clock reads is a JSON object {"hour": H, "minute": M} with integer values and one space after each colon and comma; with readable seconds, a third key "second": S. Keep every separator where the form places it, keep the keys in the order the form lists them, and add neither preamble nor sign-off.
{"hour": 4, "minute": 48}
